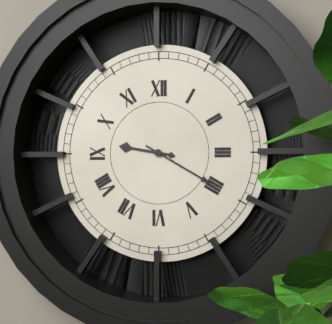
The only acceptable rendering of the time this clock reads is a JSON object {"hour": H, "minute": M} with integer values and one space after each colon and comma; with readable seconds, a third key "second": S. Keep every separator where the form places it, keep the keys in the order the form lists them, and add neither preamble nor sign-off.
{"hour": 9, "minute": 20}
